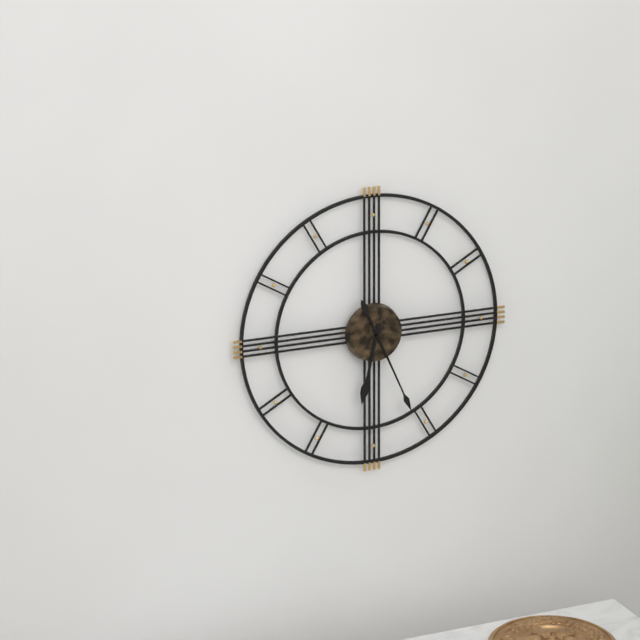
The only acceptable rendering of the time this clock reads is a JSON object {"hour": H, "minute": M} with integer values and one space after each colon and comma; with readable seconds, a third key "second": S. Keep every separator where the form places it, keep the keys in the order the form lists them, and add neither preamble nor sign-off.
{"hour": 6, "minute": 26}
